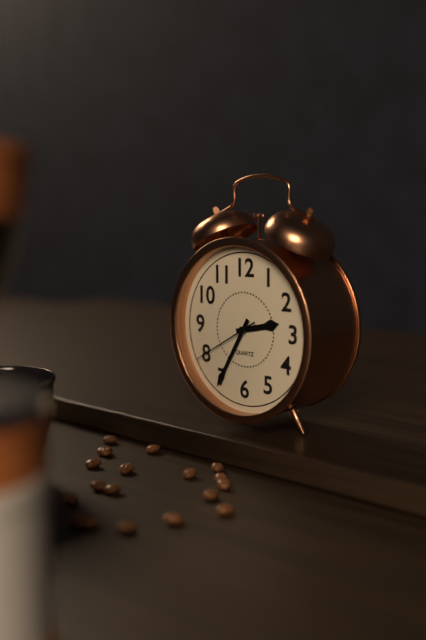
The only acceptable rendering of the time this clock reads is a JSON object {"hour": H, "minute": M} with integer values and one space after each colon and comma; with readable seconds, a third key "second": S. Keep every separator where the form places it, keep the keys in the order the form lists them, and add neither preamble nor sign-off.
{"hour": 2, "minute": 35, "second": 40}
